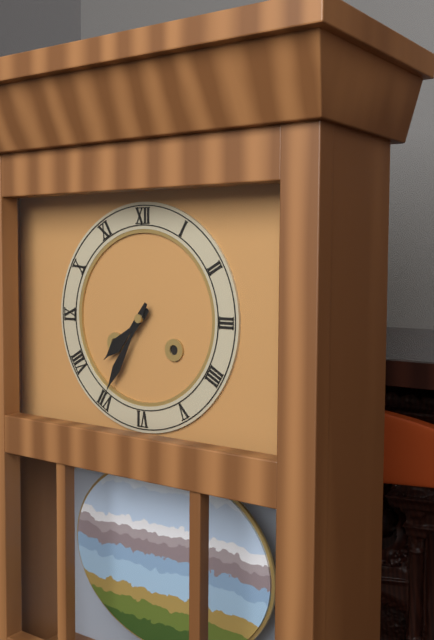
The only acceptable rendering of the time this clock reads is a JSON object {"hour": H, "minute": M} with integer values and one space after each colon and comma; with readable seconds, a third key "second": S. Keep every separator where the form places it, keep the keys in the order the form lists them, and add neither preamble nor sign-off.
{"hour": 7, "minute": 35}
